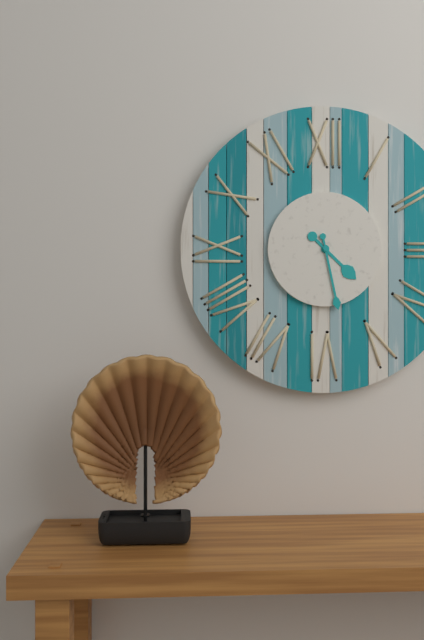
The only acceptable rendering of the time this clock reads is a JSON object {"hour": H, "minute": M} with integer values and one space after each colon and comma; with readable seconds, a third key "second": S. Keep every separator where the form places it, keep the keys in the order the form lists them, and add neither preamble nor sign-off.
{"hour": 4, "minute": 28}
